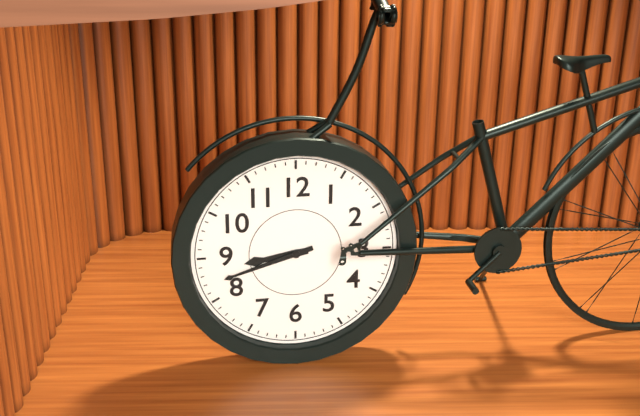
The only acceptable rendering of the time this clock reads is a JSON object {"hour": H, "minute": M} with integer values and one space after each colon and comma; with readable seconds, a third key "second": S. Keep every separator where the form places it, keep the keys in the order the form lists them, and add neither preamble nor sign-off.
{"hour": 8, "minute": 42}
